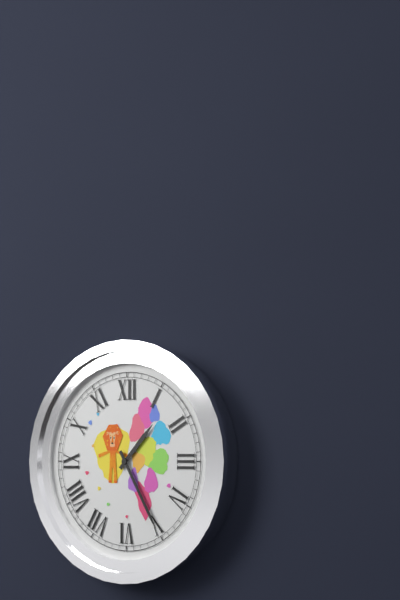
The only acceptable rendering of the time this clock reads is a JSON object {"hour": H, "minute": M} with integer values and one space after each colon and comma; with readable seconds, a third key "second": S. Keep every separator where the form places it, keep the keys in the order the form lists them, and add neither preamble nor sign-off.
{"hour": 1, "minute": 25}
